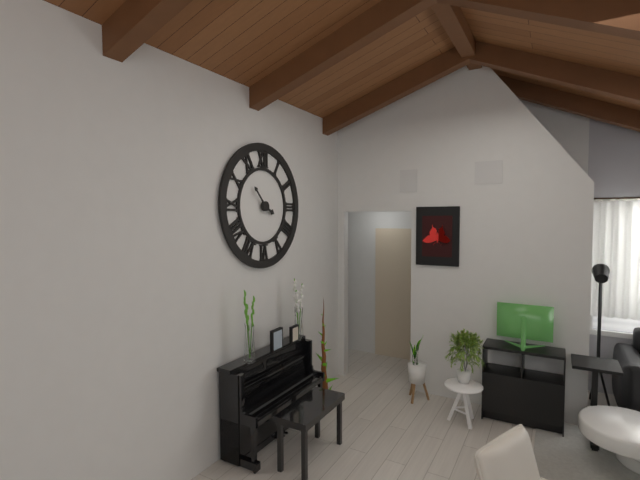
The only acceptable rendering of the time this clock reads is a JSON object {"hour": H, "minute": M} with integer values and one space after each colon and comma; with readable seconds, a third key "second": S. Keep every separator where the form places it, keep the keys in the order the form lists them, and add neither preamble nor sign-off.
{"hour": 3, "minute": 53}
